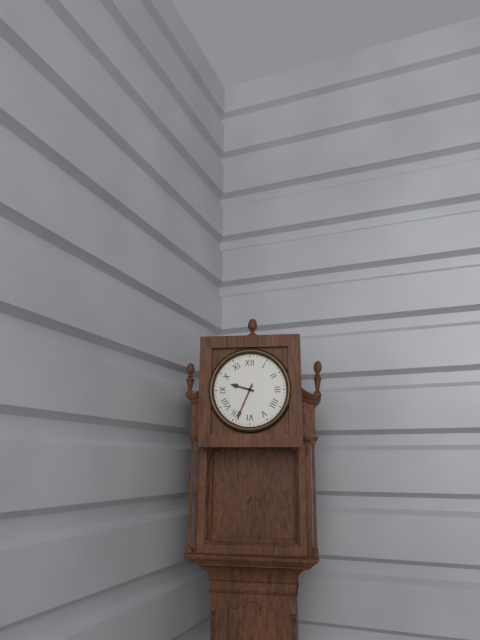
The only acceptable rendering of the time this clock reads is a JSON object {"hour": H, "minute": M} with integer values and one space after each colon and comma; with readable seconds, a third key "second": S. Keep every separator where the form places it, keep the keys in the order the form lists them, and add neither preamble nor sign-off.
{"hour": 9, "minute": 34}
